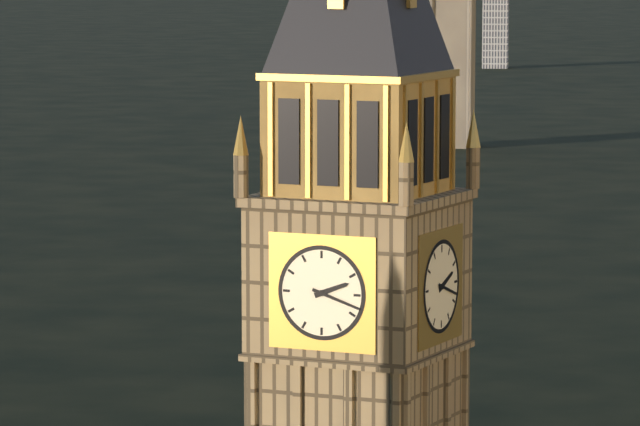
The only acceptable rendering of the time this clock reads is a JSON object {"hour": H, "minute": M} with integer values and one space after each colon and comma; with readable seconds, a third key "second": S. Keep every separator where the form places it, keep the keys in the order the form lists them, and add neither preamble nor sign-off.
{"hour": 2, "minute": 18}
